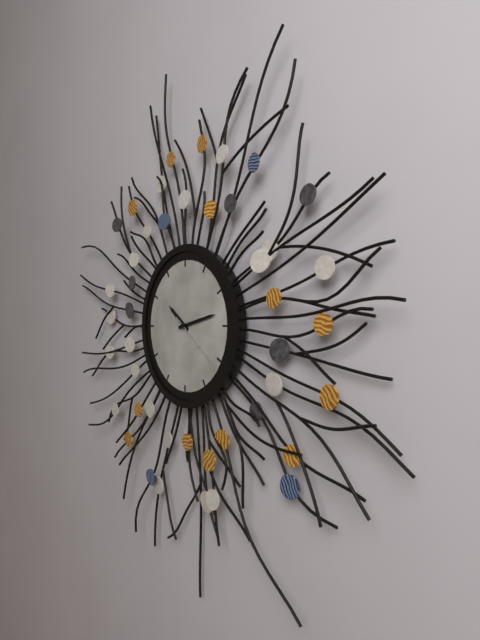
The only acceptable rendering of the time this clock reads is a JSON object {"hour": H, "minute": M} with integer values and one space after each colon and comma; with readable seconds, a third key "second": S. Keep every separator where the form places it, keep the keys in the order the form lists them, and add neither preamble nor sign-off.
{"hour": 10, "minute": 13, "second": 21}
